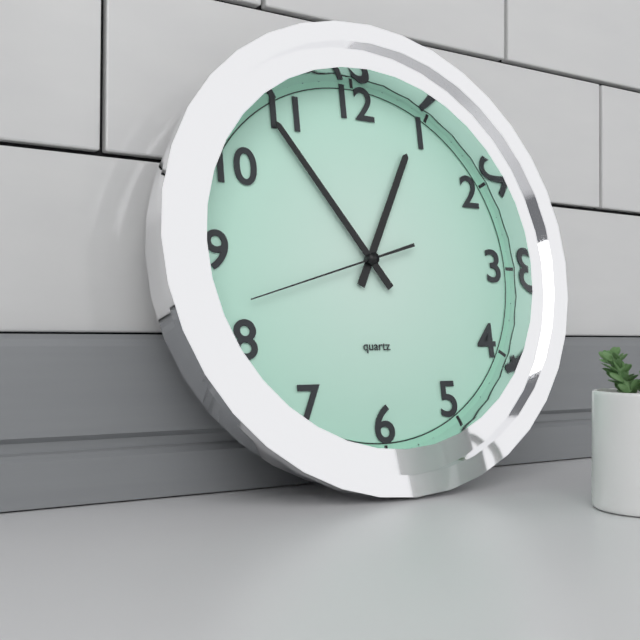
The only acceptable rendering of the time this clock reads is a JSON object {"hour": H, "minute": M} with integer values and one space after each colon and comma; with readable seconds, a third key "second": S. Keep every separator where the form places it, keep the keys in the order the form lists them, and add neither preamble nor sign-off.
{"hour": 12, "minute": 54, "second": 42}
